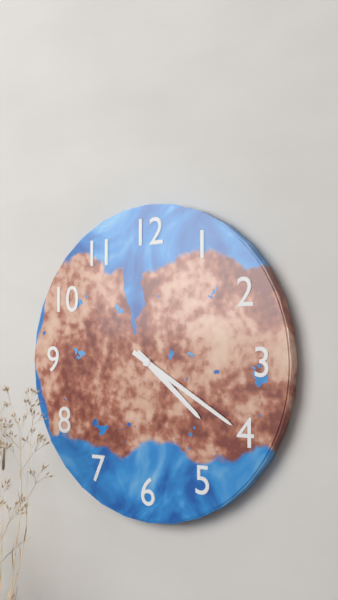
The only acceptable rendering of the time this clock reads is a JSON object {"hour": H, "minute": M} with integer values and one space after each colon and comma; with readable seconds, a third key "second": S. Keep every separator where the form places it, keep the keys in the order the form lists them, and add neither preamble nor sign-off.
{"hour": 4, "minute": 20}
